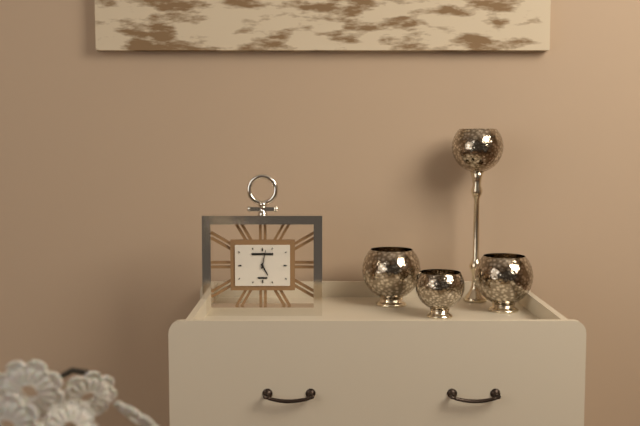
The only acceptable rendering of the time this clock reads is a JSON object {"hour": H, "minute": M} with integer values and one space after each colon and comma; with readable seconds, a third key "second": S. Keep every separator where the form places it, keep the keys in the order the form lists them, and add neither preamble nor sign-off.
{"hour": 5, "minute": 2}
